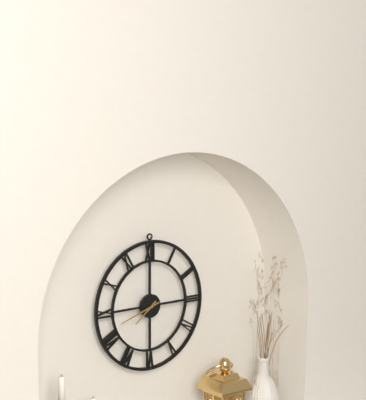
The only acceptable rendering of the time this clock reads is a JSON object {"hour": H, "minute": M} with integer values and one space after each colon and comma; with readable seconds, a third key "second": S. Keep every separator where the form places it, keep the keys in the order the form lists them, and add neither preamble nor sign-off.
{"hour": 7, "minute": 42}
